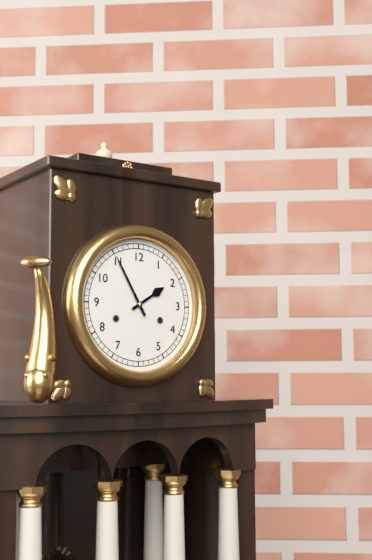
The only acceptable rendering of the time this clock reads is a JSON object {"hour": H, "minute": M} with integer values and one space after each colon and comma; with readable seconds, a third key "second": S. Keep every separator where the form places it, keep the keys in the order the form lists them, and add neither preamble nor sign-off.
{"hour": 1, "minute": 55}
